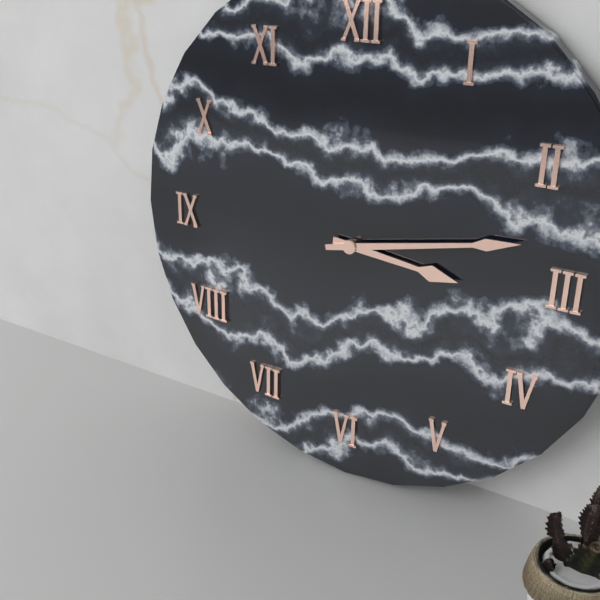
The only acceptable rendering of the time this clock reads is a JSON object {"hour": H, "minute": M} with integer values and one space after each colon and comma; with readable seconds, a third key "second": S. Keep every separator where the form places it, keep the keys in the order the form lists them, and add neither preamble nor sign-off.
{"hour": 3, "minute": 13}
